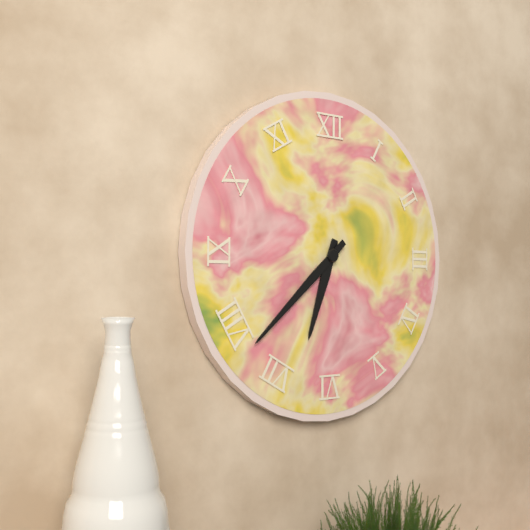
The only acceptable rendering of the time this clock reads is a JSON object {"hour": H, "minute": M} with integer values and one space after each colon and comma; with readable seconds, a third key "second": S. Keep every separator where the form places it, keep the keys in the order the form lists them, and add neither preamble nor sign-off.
{"hour": 6, "minute": 38}
